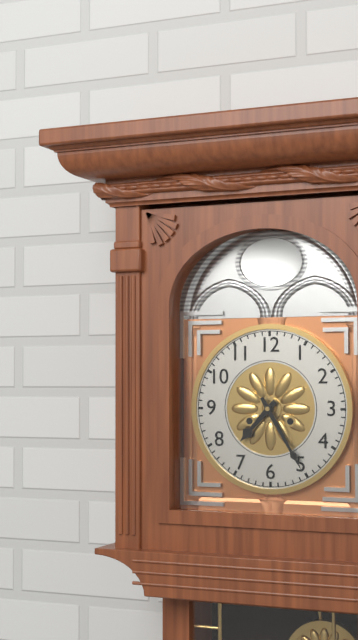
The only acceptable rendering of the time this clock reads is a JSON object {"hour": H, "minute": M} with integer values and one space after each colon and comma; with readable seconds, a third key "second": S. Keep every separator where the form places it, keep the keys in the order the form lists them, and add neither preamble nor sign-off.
{"hour": 7, "minute": 25}
